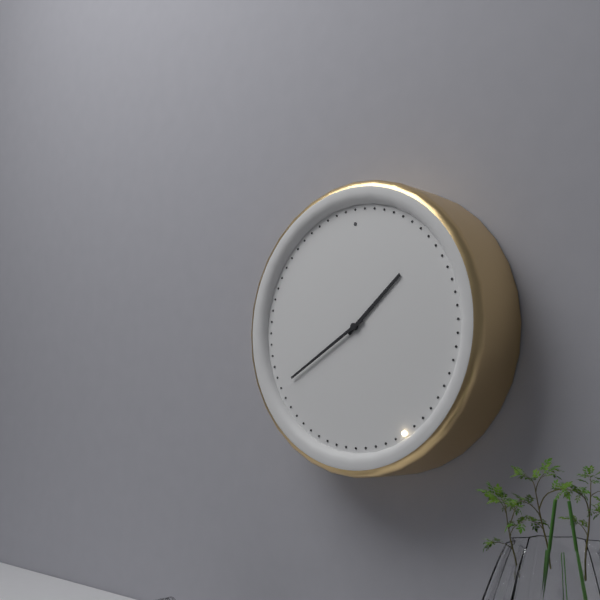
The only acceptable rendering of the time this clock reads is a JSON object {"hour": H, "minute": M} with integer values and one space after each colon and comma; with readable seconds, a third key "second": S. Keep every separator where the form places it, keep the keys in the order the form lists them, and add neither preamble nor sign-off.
{"hour": 1, "minute": 40}
